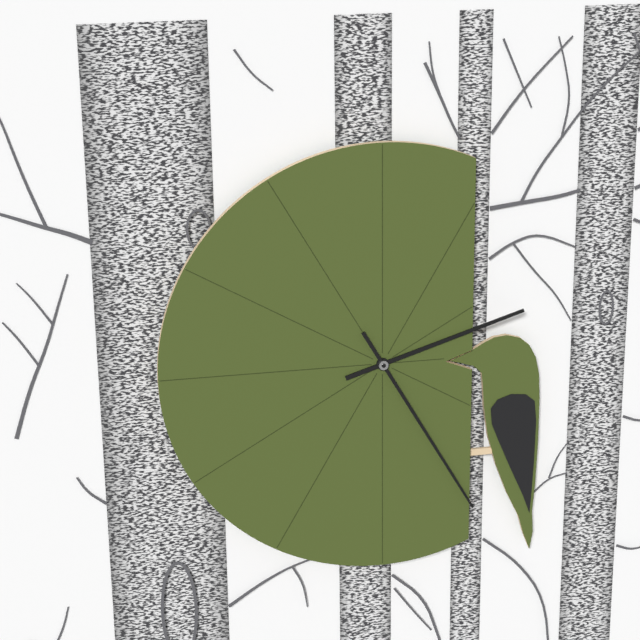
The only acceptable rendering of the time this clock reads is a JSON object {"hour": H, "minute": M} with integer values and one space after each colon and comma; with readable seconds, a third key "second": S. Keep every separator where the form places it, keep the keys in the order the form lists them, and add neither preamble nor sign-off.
{"hour": 2, "minute": 25}
